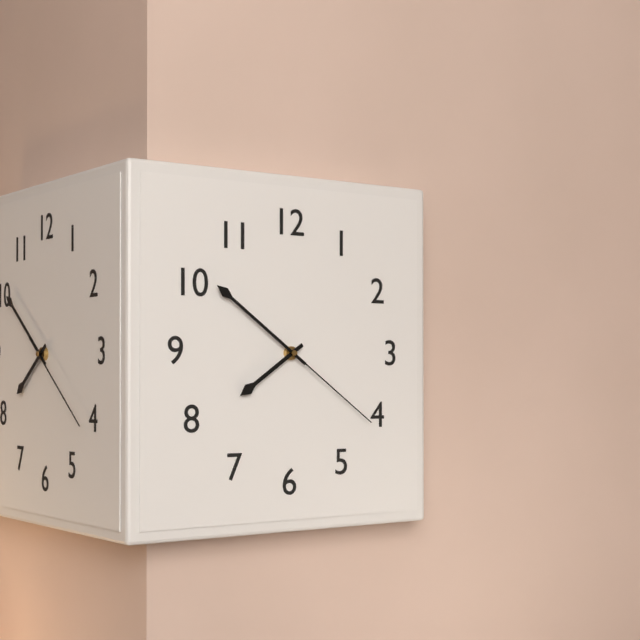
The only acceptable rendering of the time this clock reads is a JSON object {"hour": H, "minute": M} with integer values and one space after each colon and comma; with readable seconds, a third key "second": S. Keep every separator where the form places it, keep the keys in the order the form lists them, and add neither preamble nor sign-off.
{"hour": 7, "minute": 51, "second": 21}
